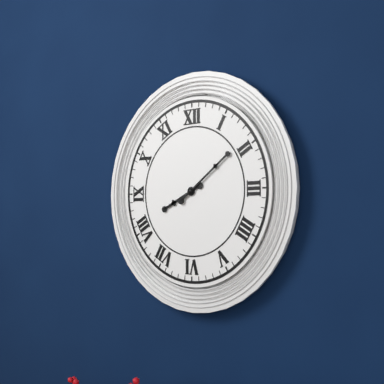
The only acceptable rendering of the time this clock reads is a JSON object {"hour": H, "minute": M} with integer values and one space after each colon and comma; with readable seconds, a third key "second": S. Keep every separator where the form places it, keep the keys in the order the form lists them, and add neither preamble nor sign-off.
{"hour": 8, "minute": 9}
